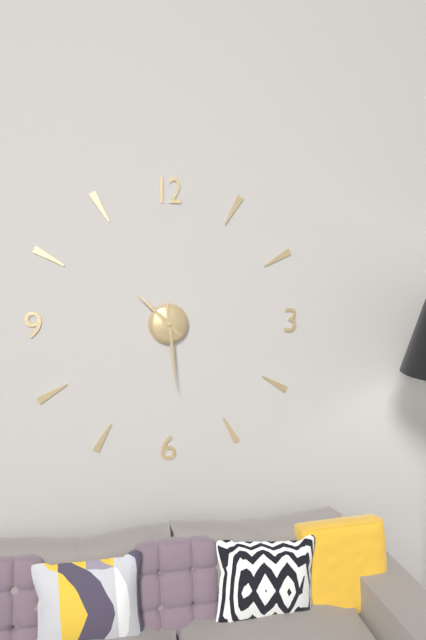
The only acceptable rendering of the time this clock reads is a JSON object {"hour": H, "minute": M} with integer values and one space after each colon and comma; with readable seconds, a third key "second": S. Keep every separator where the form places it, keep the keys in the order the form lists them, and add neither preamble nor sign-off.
{"hour": 10, "minute": 29}
